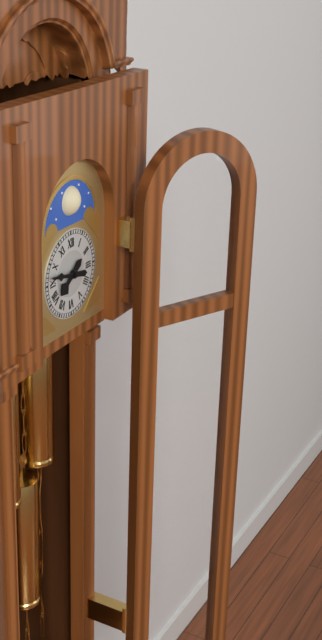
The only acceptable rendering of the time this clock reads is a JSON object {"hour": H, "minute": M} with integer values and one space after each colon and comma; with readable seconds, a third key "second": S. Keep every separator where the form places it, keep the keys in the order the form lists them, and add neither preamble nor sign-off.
{"hour": 7, "minute": 47}
